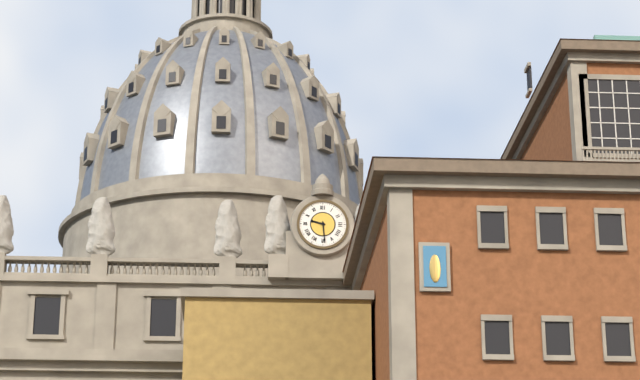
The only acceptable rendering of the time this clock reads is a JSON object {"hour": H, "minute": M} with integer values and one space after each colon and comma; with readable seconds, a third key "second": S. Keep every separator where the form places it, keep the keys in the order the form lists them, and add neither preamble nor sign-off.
{"hour": 9, "minute": 29}
